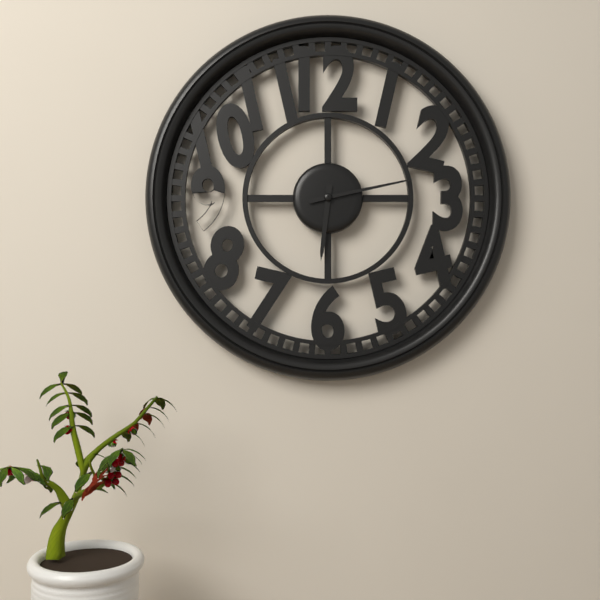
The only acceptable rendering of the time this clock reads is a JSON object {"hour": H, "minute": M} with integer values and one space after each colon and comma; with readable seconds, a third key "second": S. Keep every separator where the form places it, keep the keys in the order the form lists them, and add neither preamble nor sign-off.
{"hour": 6, "minute": 13}
